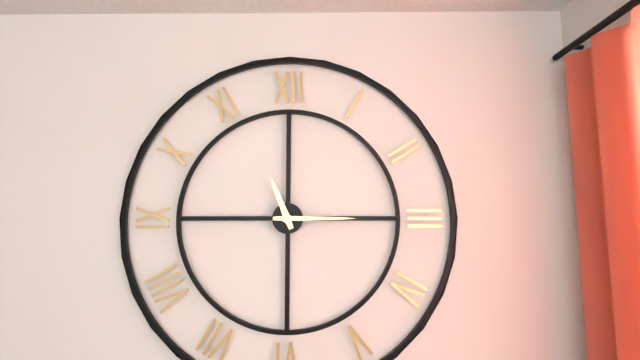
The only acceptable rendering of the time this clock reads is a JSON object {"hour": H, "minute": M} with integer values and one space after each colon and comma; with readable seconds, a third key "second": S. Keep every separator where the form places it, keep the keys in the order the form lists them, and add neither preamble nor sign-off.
{"hour": 11, "minute": 15}
